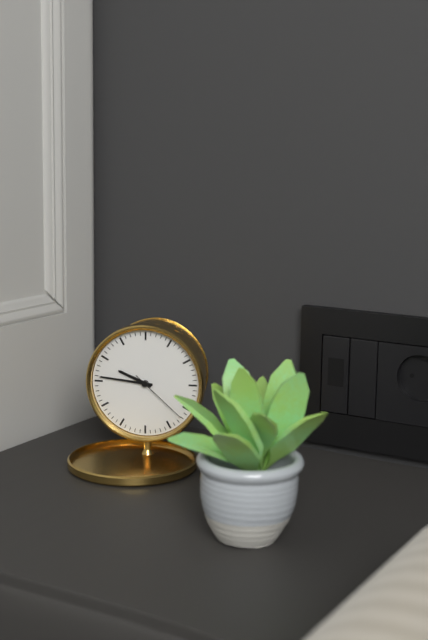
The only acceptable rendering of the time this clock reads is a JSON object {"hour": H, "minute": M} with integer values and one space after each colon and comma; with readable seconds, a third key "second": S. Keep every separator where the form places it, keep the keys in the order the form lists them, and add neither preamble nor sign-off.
{"hour": 9, "minute": 46, "second": 22}
